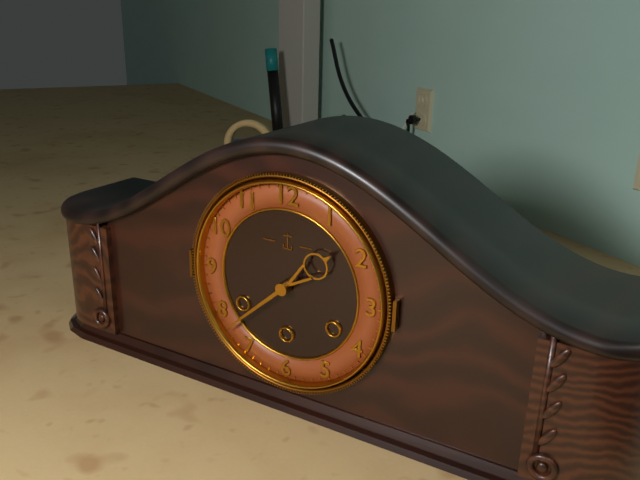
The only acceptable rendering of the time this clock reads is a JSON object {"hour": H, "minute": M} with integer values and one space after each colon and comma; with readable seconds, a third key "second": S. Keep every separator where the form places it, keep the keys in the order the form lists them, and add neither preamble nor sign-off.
{"hour": 1, "minute": 38}
